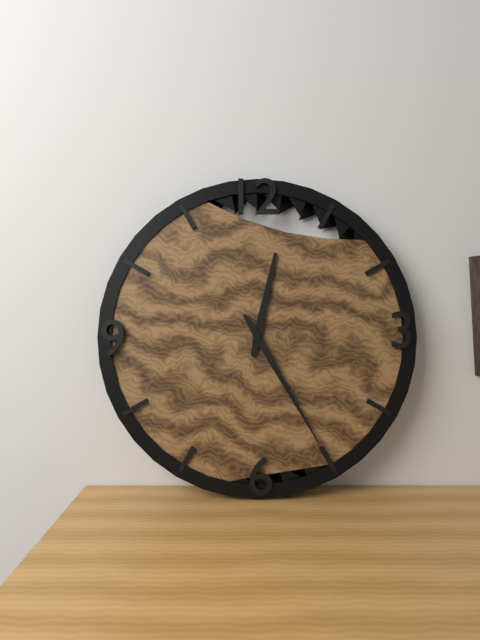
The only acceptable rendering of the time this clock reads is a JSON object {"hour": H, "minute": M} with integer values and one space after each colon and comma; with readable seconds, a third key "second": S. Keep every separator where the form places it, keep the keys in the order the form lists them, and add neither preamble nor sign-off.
{"hour": 12, "minute": 25}
